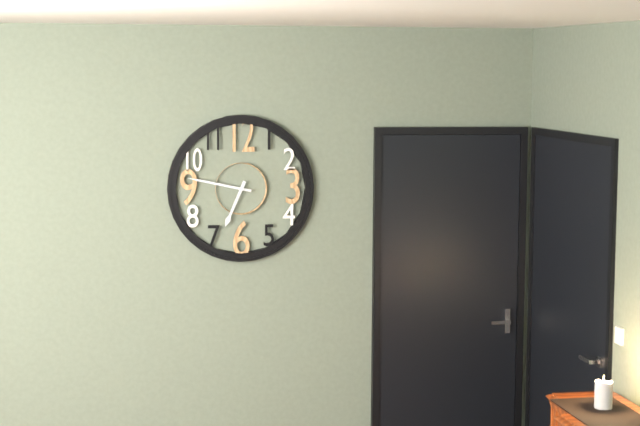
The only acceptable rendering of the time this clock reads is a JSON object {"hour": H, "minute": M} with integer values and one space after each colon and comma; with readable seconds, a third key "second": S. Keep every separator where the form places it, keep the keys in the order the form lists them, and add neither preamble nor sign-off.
{"hour": 6, "minute": 47}
